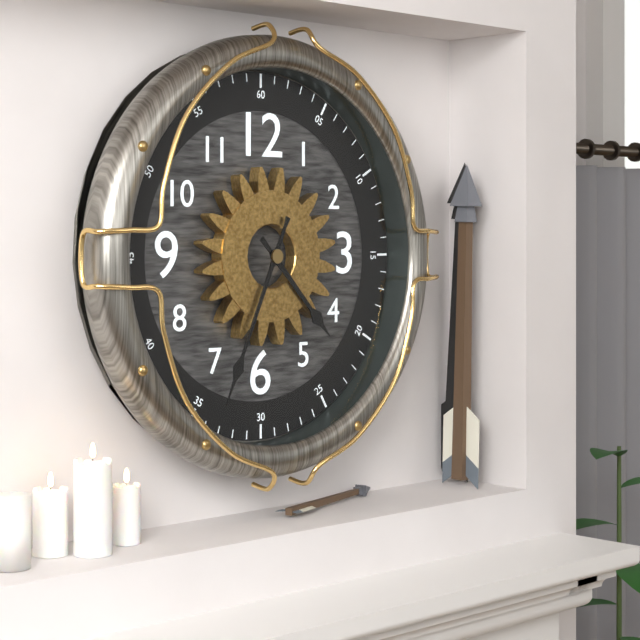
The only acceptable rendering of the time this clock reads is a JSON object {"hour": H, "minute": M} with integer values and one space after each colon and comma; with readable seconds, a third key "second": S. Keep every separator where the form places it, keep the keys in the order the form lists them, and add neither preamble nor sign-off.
{"hour": 4, "minute": 34}
